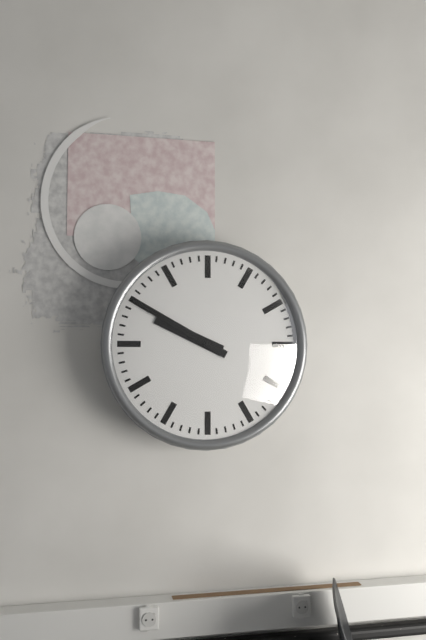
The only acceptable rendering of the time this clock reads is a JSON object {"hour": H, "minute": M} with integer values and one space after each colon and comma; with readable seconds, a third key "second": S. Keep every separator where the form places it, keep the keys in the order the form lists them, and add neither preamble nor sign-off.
{"hour": 9, "minute": 50}
